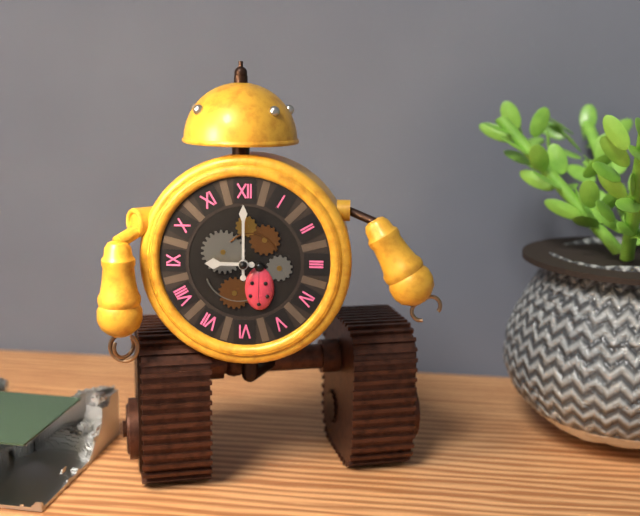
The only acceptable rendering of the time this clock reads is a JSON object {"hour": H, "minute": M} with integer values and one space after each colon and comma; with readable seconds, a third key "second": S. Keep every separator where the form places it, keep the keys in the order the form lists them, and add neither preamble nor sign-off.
{"hour": 9, "minute": 0}
